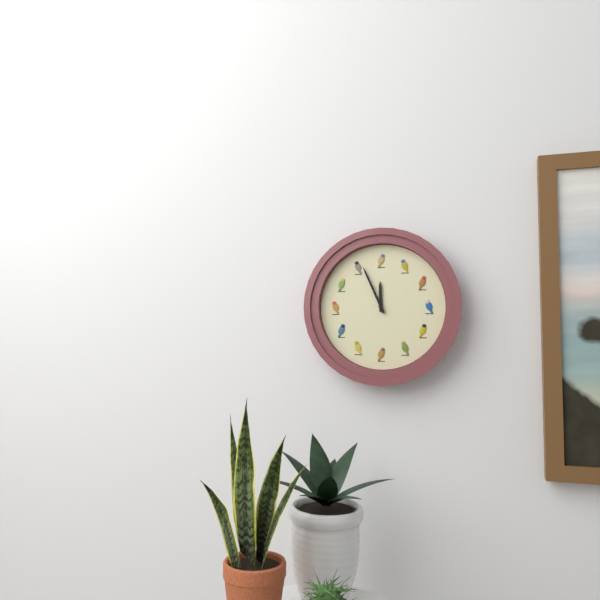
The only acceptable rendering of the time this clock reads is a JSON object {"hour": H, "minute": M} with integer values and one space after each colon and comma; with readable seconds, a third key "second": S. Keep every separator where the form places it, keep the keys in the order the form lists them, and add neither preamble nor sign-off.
{"hour": 11, "minute": 56}
